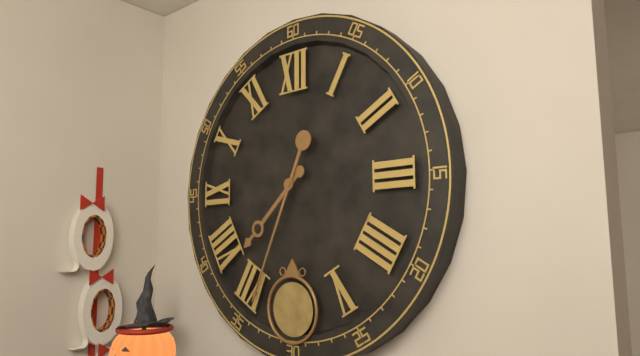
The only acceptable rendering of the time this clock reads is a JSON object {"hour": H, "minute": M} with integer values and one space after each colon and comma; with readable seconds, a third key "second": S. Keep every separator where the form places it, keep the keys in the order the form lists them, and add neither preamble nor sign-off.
{"hour": 7, "minute": 34}
